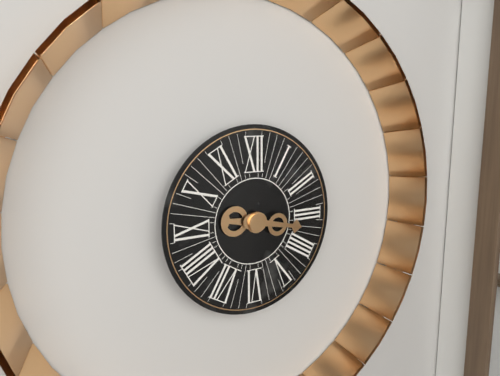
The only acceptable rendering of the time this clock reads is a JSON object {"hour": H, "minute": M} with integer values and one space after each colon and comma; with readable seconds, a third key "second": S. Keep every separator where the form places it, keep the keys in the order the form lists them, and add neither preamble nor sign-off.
{"hour": 9, "minute": 17}
